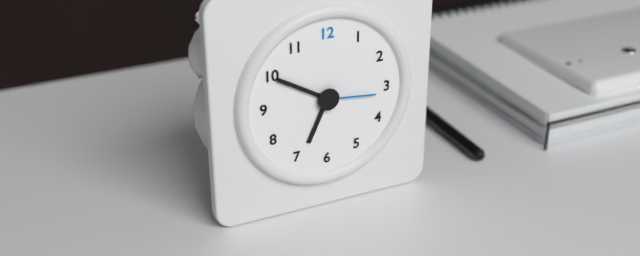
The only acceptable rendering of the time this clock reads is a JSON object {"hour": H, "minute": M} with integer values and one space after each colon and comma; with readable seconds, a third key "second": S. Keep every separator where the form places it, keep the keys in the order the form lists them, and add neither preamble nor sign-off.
{"hour": 6, "minute": 50, "second": 16}
